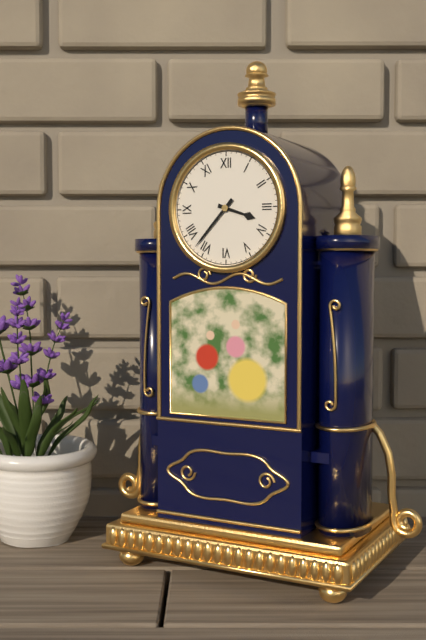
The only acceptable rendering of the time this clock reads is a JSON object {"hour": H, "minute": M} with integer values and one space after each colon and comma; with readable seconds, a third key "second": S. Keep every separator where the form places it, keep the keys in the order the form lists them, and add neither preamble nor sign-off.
{"hour": 3, "minute": 37}
